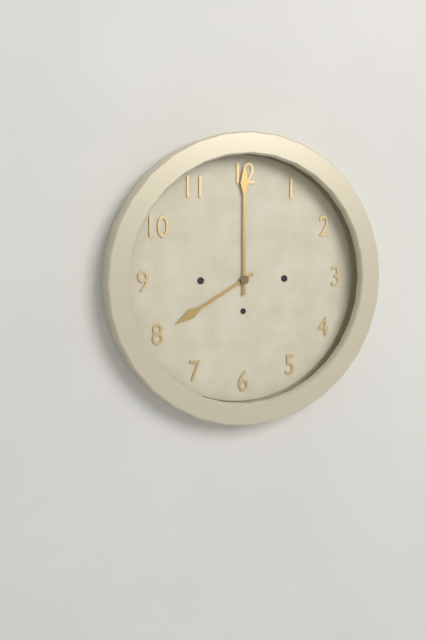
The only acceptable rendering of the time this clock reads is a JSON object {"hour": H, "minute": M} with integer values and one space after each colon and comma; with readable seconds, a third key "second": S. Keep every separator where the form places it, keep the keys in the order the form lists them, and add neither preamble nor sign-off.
{"hour": 8, "minute": 0}
